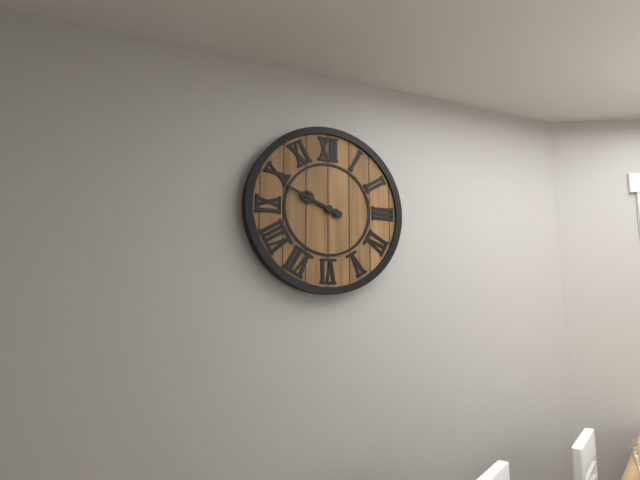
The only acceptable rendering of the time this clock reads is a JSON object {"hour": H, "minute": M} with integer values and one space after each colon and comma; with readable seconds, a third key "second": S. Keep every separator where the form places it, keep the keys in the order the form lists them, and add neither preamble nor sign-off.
{"hour": 9, "minute": 49}
